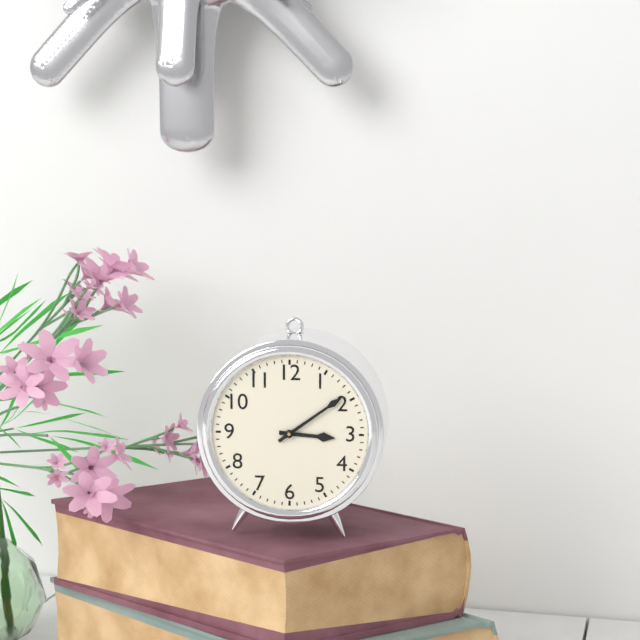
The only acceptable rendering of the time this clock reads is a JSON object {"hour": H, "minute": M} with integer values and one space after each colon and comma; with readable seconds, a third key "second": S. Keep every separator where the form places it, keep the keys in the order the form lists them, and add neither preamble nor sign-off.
{"hour": 3, "minute": 9}
